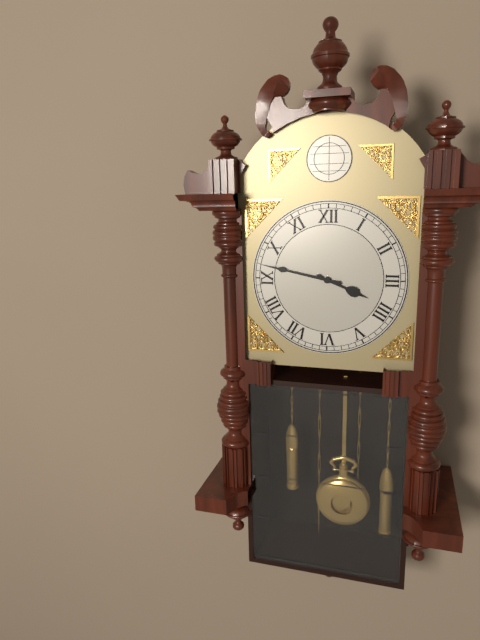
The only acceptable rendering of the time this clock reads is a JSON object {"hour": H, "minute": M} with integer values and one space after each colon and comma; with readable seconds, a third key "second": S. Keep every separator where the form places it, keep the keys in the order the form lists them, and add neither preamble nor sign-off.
{"hour": 3, "minute": 47}
